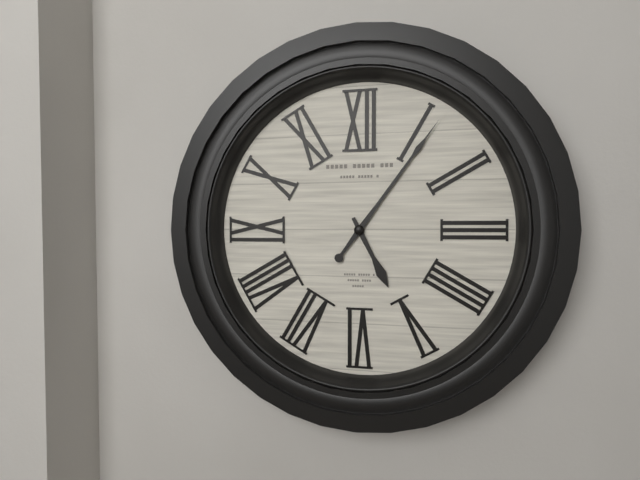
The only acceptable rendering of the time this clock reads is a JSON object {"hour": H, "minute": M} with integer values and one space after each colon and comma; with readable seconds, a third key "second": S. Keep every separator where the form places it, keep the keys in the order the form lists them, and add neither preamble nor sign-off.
{"hour": 5, "minute": 6}
